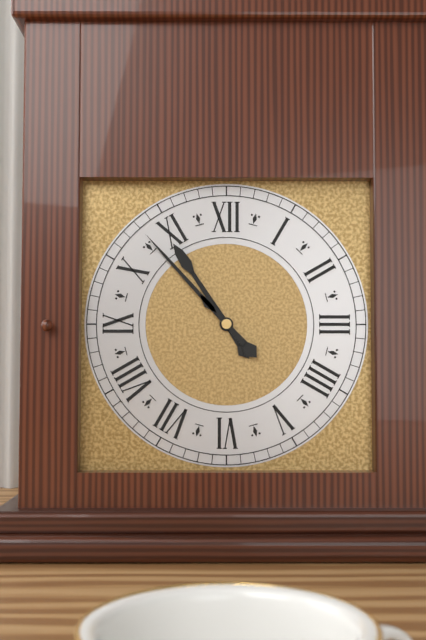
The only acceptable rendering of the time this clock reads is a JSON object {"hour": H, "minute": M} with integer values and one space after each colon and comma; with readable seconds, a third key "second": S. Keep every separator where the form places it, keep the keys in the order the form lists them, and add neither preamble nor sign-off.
{"hour": 10, "minute": 53}
